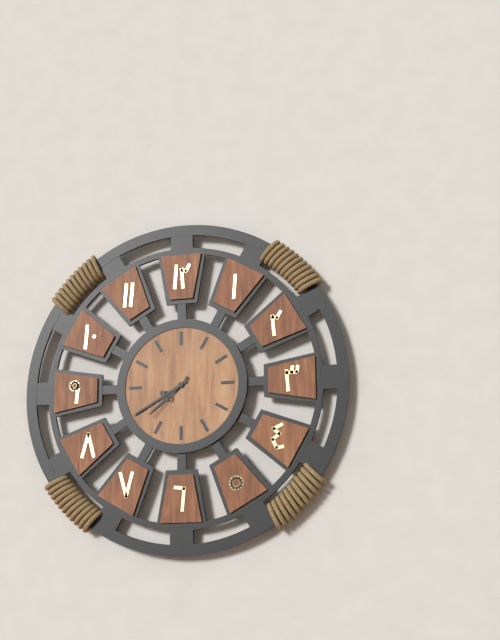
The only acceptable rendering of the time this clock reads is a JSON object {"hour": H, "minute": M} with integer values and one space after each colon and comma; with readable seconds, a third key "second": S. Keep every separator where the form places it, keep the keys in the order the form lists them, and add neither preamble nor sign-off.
{"hour": 7, "minute": 40, "second": 37}
